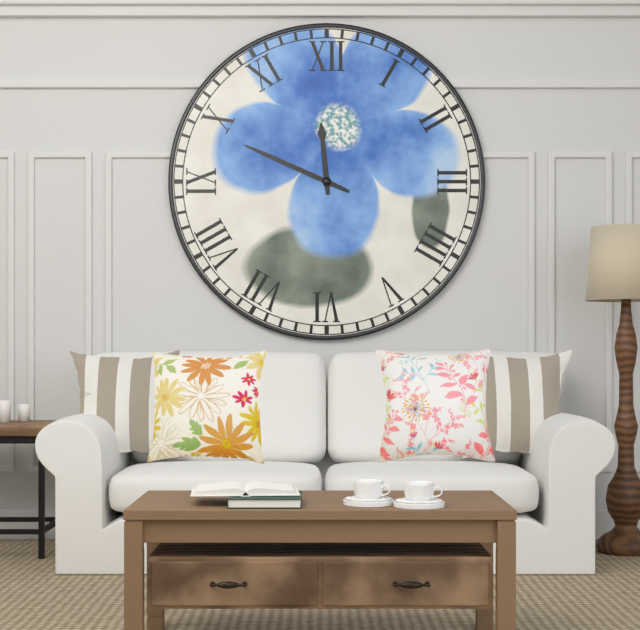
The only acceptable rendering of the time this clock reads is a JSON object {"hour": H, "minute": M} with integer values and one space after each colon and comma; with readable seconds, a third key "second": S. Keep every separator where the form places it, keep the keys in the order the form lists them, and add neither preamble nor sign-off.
{"hour": 11, "minute": 49}
